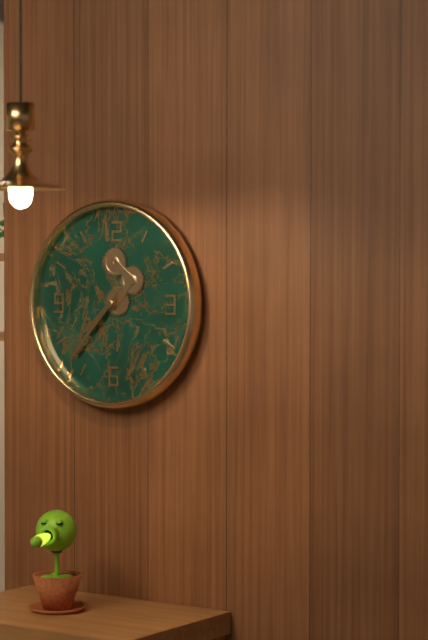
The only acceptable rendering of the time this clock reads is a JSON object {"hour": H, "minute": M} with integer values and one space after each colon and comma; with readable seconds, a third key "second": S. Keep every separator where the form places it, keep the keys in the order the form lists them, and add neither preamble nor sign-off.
{"hour": 7, "minute": 37}
